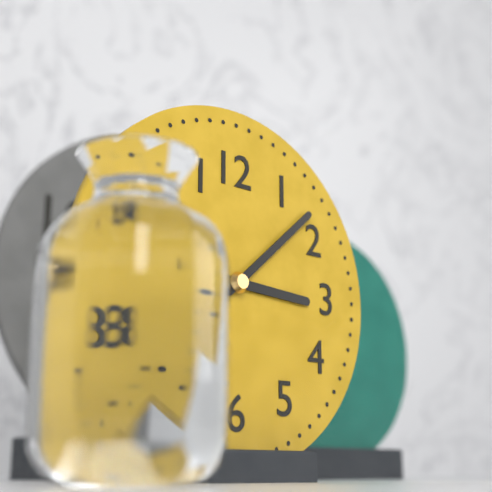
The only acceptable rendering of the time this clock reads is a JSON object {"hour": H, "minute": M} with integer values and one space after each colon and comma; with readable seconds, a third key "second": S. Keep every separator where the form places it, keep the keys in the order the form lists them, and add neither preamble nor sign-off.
{"hour": 3, "minute": 8}
